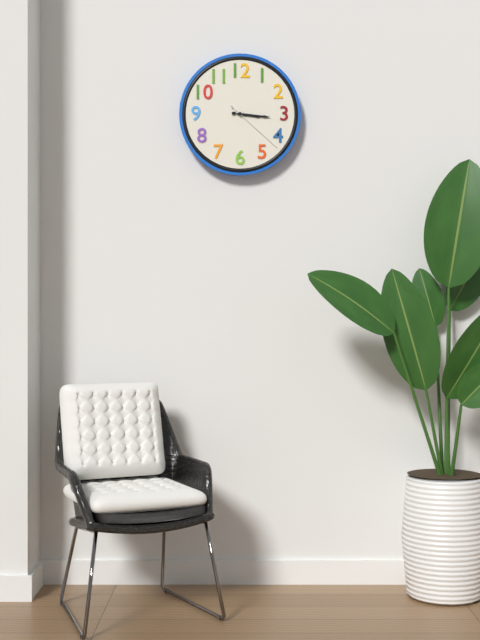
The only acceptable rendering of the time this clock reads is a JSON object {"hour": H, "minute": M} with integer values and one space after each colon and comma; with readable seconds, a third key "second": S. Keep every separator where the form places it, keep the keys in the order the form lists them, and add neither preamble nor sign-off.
{"hour": 3, "minute": 16, "second": 22}
